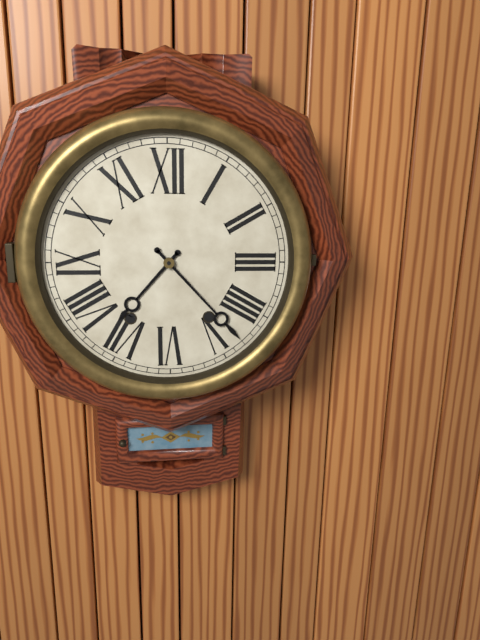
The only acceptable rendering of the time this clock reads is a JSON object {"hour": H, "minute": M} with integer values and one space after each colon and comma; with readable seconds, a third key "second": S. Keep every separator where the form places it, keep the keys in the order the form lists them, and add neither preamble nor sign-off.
{"hour": 7, "minute": 23}
